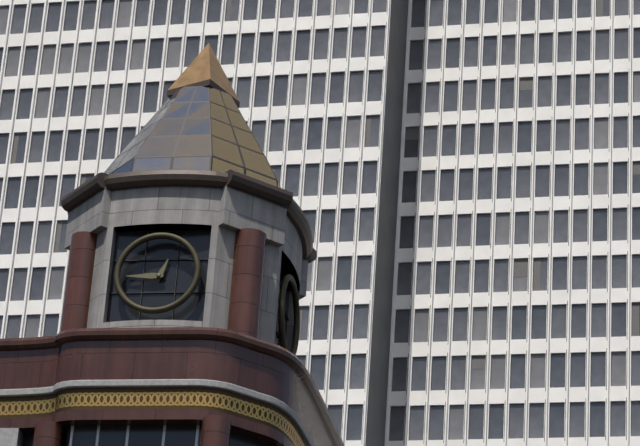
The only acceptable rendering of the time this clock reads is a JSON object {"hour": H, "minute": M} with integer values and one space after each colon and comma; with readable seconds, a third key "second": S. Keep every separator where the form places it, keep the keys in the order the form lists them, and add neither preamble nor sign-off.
{"hour": 12, "minute": 45}
